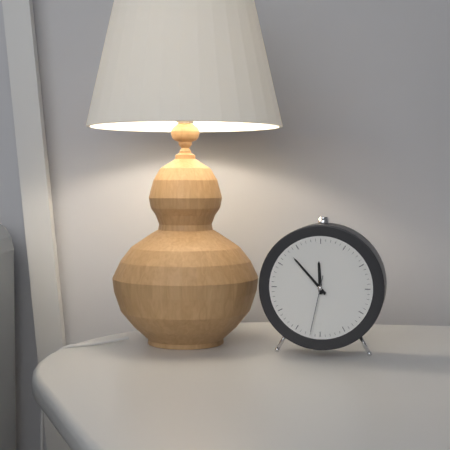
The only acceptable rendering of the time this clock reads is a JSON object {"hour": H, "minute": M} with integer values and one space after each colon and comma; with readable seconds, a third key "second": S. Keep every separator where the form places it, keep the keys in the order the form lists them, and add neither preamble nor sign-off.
{"hour": 11, "minute": 53, "second": 32}
